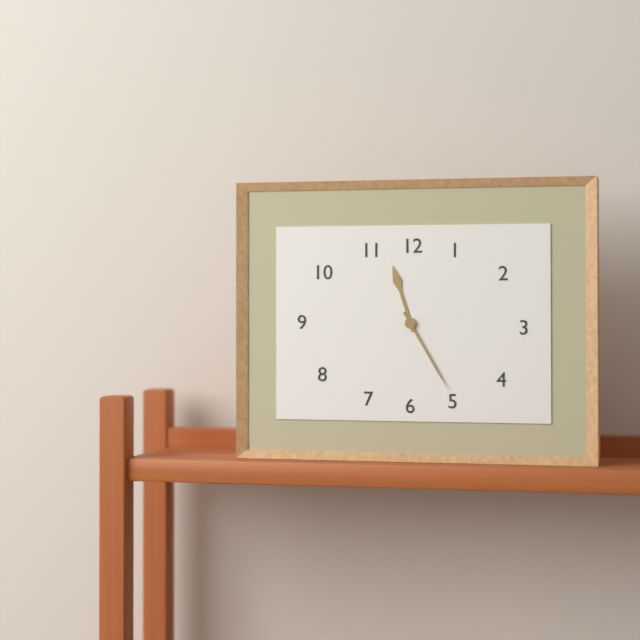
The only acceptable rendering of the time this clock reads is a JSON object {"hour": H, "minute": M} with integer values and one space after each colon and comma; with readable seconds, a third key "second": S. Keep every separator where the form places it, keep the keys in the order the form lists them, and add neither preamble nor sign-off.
{"hour": 11, "minute": 25}
